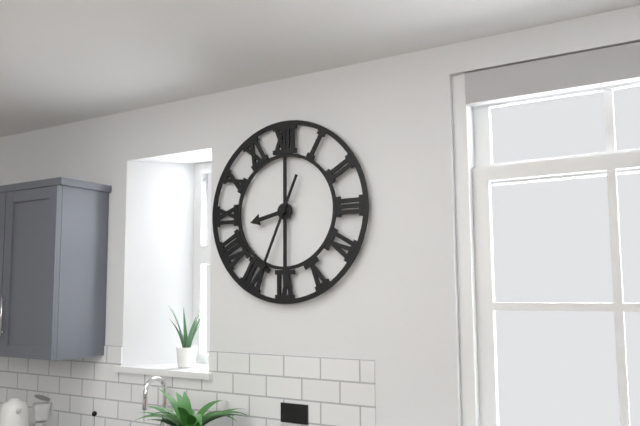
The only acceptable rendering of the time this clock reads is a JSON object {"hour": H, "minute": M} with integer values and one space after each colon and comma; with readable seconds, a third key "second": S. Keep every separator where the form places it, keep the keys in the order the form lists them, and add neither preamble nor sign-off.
{"hour": 8, "minute": 34}
